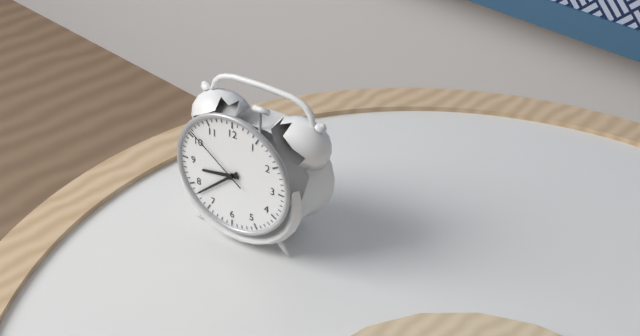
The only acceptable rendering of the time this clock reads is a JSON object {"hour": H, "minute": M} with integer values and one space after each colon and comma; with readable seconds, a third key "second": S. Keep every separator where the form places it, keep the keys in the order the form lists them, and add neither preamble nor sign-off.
{"hour": 8, "minute": 38, "second": 51}
